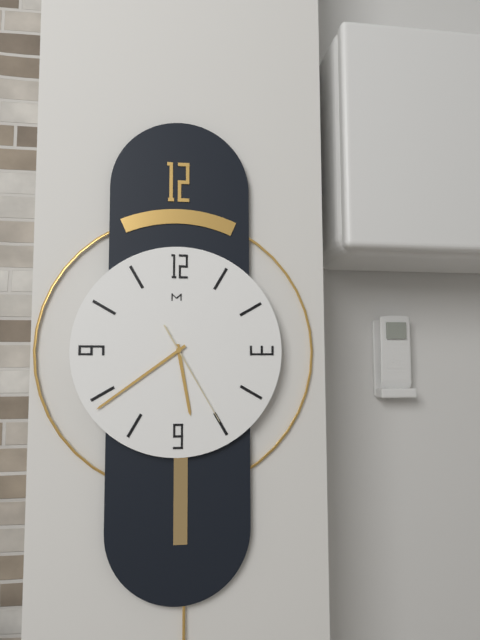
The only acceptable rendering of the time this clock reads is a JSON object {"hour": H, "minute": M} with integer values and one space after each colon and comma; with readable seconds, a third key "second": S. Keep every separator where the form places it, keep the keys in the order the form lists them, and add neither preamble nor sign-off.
{"hour": 5, "minute": 39, "second": 25}
